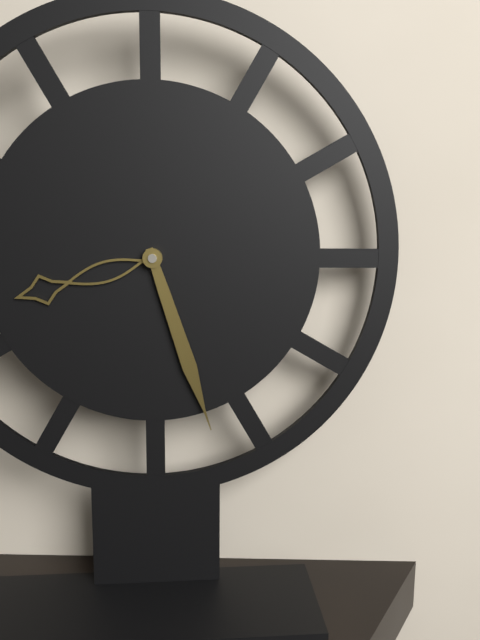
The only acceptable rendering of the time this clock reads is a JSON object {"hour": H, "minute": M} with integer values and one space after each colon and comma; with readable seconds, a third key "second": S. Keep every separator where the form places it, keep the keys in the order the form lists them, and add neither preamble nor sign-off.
{"hour": 8, "minute": 27}
